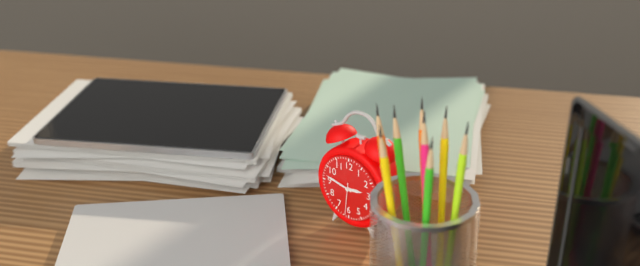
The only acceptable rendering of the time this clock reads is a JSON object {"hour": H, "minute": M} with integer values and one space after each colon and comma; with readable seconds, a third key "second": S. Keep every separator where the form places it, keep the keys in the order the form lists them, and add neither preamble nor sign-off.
{"hour": 2, "minute": 47}
